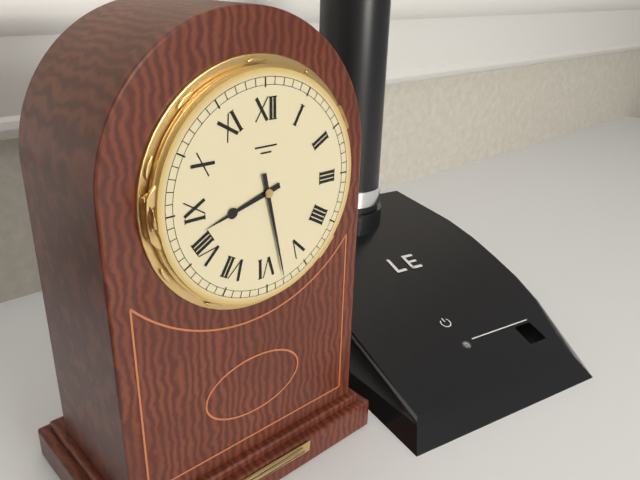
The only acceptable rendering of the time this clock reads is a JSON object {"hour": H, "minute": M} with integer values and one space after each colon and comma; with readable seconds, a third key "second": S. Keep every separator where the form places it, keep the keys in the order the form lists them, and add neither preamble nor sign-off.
{"hour": 8, "minute": 28}
